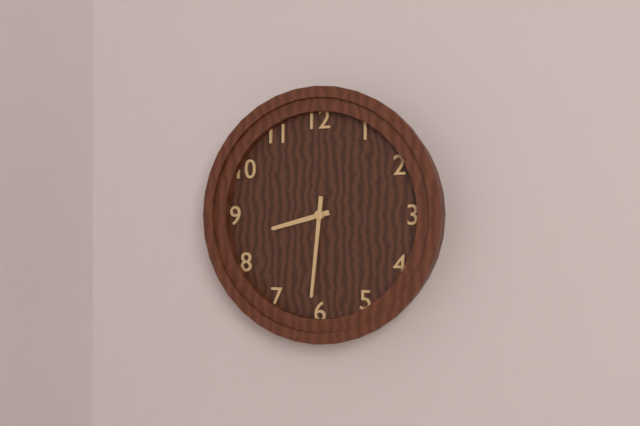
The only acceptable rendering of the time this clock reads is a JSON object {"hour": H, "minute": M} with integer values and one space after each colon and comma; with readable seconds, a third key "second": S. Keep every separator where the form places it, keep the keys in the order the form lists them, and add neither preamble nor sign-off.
{"hour": 8, "minute": 31}
